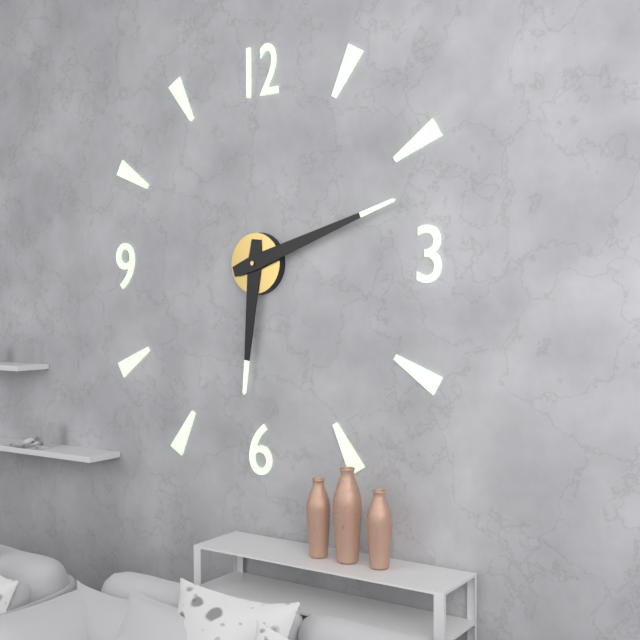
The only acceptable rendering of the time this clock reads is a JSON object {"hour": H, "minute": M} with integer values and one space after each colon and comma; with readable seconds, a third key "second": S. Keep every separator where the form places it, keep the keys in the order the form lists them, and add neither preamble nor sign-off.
{"hour": 6, "minute": 12}
